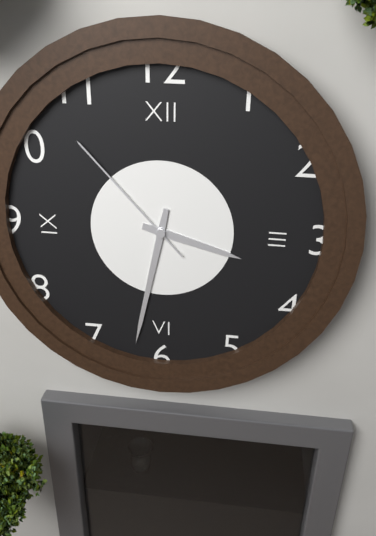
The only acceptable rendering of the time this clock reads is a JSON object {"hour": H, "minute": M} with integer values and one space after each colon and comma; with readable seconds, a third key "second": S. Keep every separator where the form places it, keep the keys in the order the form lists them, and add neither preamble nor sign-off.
{"hour": 3, "minute": 32, "second": 53}
